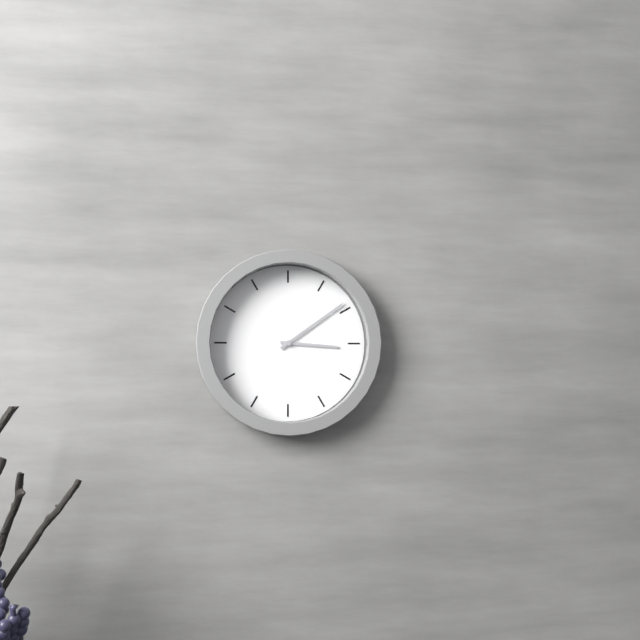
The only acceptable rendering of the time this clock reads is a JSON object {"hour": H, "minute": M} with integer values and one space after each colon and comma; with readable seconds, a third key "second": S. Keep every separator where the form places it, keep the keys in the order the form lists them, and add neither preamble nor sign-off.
{"hour": 3, "minute": 9}
